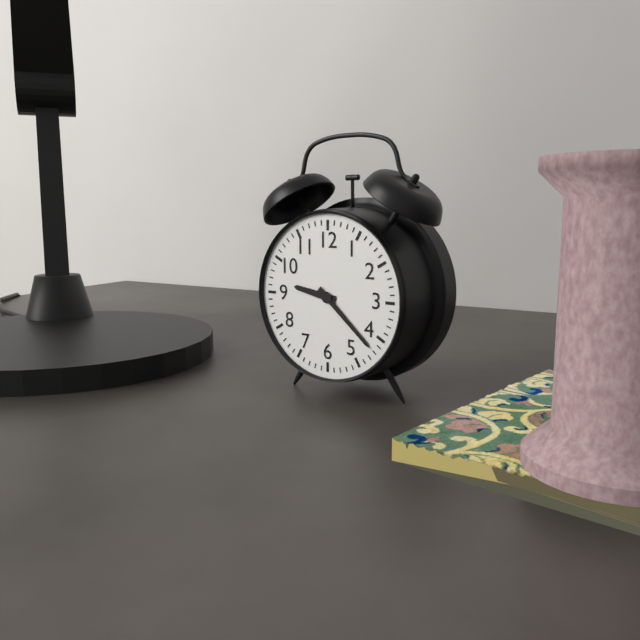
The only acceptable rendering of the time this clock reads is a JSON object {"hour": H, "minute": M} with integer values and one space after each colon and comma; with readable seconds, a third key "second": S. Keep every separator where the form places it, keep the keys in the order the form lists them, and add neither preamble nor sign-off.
{"hour": 9, "minute": 22}
